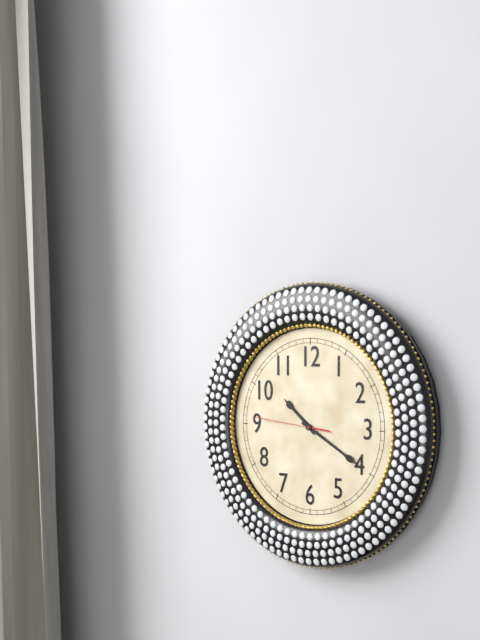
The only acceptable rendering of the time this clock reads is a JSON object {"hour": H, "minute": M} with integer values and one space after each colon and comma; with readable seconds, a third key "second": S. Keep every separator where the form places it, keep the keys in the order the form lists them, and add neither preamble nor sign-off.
{"hour": 10, "minute": 20, "second": 46}
